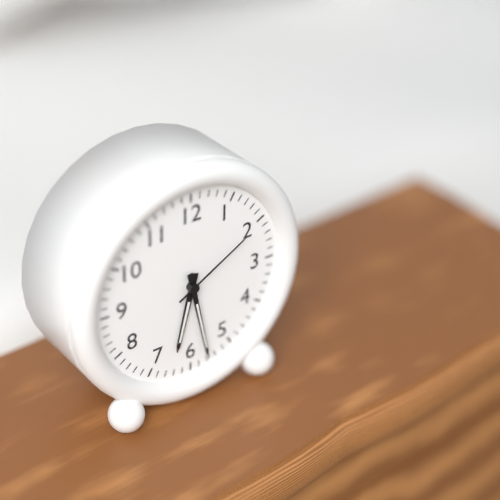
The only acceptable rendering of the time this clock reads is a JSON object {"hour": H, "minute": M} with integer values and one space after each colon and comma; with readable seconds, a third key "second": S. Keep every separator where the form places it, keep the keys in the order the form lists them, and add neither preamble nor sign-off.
{"hour": 6, "minute": 28, "second": 10}
